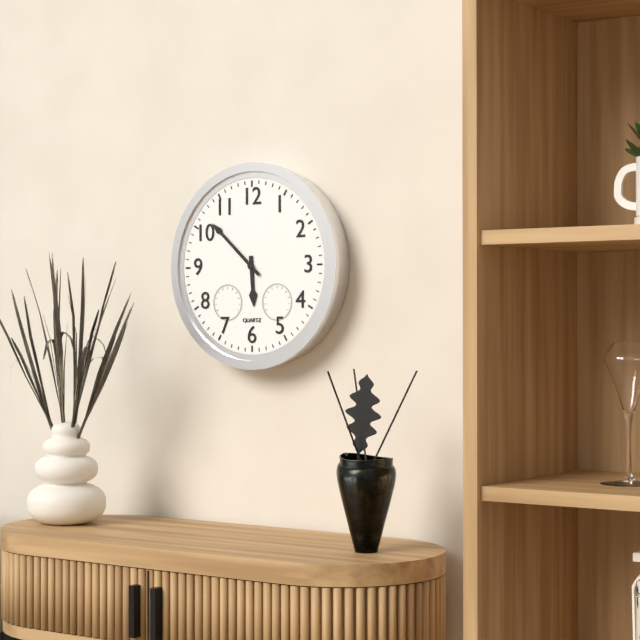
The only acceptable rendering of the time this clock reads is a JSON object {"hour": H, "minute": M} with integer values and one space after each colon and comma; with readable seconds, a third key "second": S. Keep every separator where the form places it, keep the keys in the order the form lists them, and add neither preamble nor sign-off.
{"hour": 5, "minute": 52}
